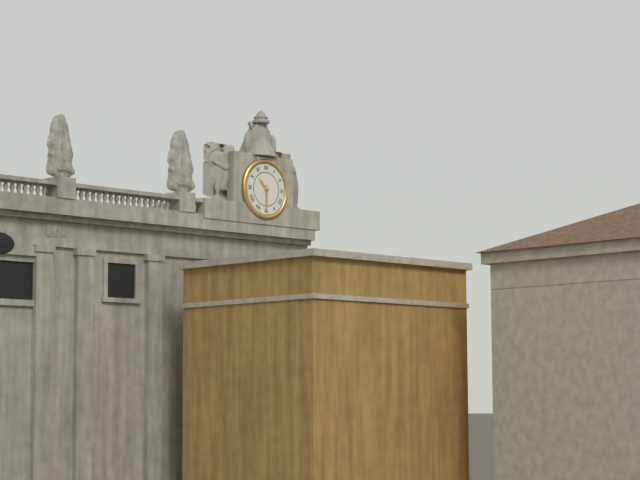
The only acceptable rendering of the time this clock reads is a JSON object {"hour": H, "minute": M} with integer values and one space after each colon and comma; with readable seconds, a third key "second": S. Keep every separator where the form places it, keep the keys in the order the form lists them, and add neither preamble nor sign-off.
{"hour": 10, "minute": 30}
